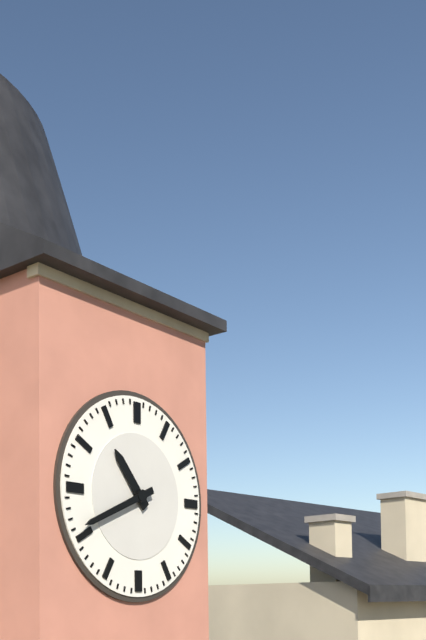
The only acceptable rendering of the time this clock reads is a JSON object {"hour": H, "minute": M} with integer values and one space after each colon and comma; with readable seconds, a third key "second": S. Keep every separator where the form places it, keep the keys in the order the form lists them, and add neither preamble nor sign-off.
{"hour": 10, "minute": 41}
